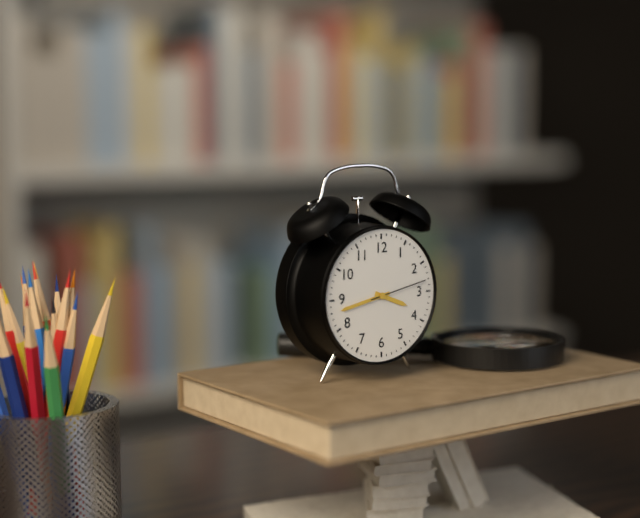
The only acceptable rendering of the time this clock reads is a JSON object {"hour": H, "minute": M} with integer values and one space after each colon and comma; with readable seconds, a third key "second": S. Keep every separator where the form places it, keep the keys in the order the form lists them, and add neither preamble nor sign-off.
{"hour": 3, "minute": 43, "second": 13}
